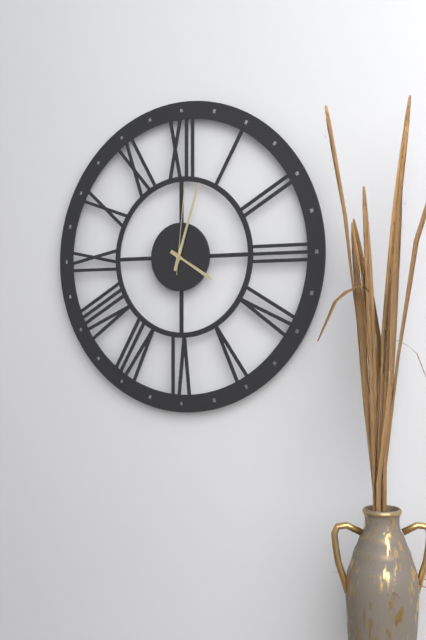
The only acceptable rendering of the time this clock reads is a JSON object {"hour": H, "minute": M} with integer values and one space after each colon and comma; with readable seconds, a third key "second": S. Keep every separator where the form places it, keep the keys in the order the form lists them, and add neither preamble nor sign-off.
{"hour": 4, "minute": 3, "second": 1}
